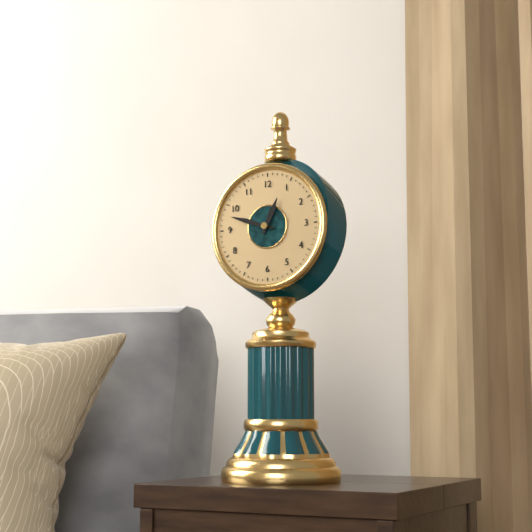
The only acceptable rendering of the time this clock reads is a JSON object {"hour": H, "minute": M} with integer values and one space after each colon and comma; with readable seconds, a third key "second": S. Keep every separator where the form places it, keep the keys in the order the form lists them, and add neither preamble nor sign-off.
{"hour": 12, "minute": 48}
